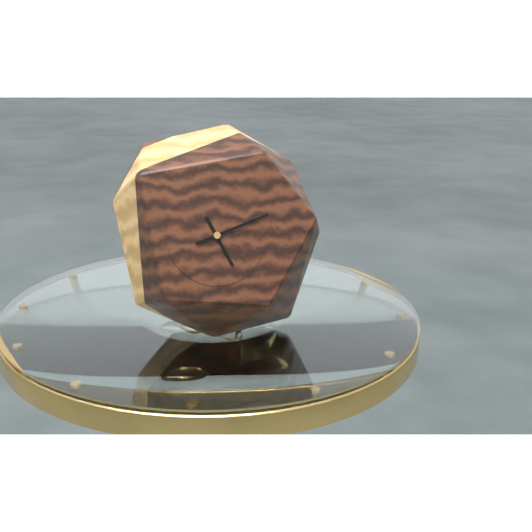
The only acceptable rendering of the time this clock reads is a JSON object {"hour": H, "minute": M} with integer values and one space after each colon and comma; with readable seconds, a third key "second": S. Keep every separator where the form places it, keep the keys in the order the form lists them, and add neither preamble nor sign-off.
{"hour": 5, "minute": 12}
